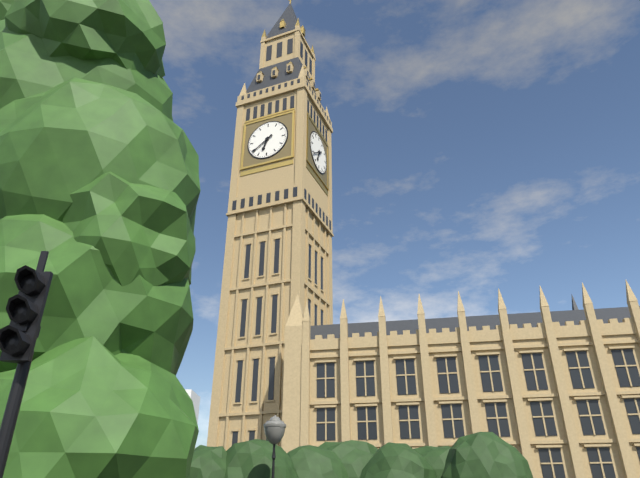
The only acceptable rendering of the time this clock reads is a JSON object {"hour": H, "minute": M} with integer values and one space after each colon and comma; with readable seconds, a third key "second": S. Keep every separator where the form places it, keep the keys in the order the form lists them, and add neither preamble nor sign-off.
{"hour": 6, "minute": 39}
